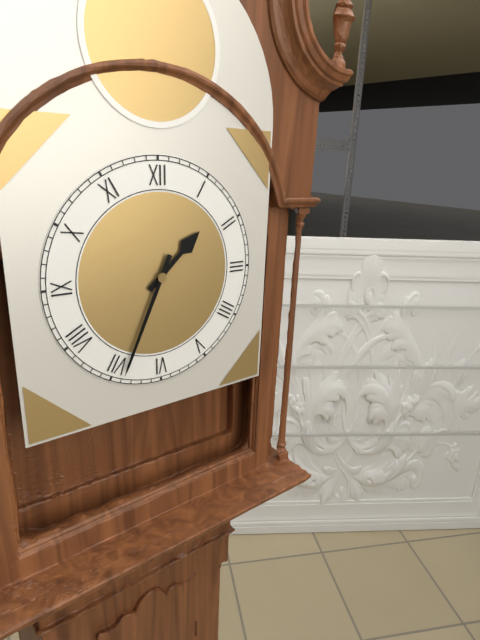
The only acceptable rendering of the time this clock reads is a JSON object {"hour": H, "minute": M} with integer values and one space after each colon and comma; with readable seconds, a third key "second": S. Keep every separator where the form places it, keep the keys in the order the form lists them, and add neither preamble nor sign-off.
{"hour": 1, "minute": 34}
